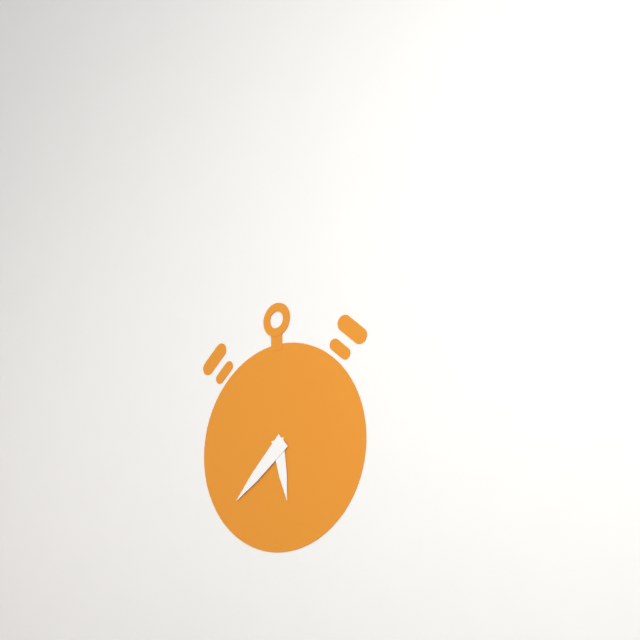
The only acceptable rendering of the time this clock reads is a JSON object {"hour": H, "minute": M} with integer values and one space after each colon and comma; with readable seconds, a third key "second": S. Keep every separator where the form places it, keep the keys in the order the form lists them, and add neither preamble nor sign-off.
{"hour": 5, "minute": 38}
